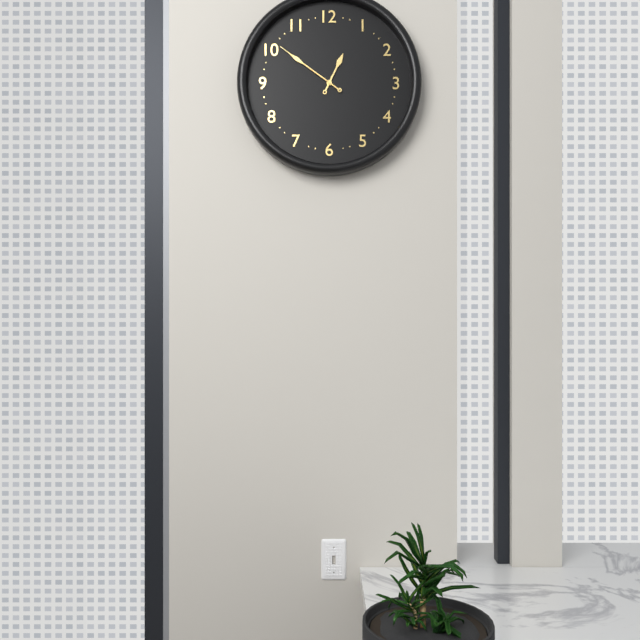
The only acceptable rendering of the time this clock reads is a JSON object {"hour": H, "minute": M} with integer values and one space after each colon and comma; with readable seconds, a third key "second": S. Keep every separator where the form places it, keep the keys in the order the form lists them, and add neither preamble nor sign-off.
{"hour": 12, "minute": 51, "second": 51}
